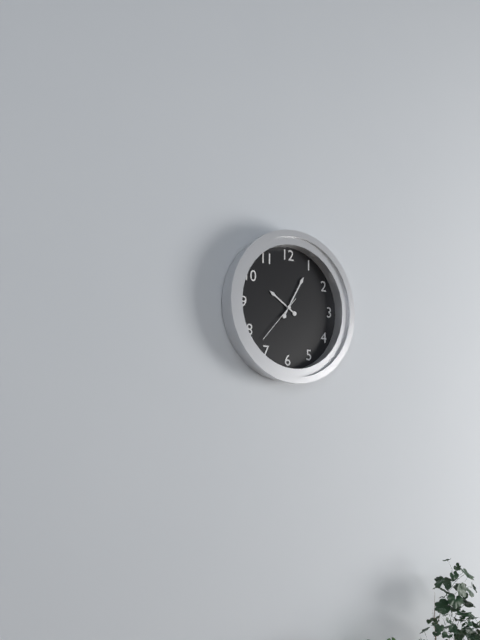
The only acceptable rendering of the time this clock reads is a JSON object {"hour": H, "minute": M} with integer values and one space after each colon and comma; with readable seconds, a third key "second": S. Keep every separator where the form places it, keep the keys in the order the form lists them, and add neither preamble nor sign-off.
{"hour": 10, "minute": 5}
